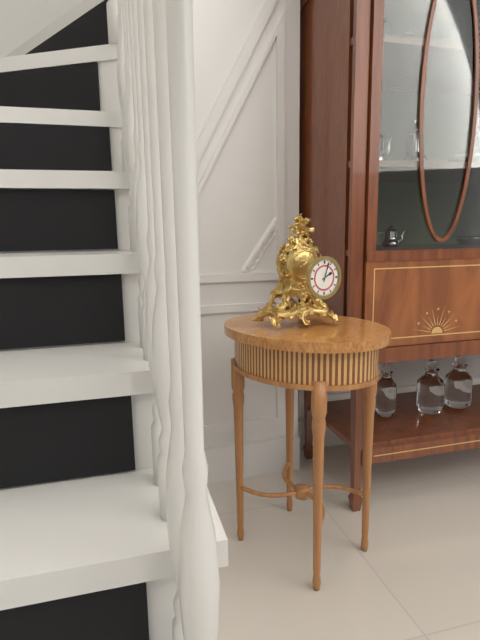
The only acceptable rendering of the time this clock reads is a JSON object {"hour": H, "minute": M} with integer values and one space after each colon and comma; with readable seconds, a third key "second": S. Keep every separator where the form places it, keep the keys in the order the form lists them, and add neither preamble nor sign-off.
{"hour": 2, "minute": 3}
